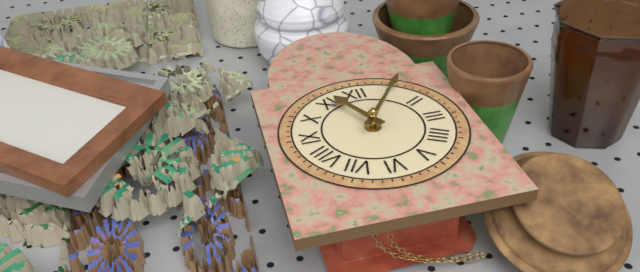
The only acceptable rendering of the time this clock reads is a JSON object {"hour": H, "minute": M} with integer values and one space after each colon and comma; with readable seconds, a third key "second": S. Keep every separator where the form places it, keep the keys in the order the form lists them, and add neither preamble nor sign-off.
{"hour": 11, "minute": 6}
